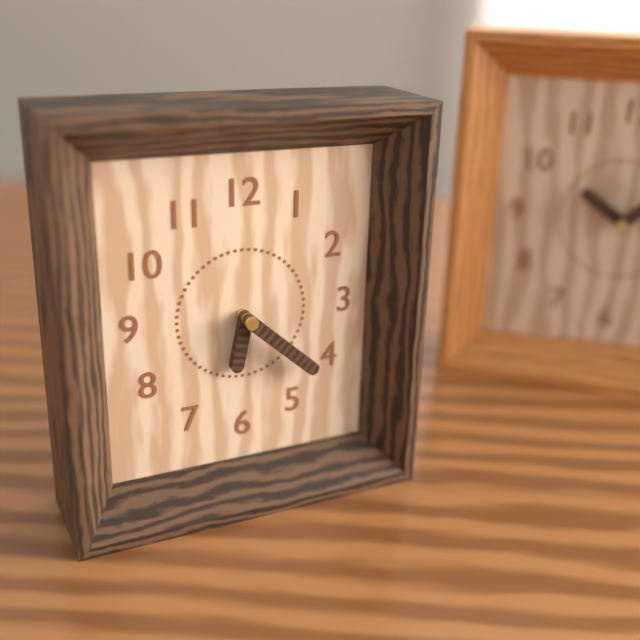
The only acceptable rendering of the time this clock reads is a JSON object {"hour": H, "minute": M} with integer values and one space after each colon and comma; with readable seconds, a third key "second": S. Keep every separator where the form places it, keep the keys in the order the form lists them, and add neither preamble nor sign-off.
{"hour": 6, "minute": 22}
